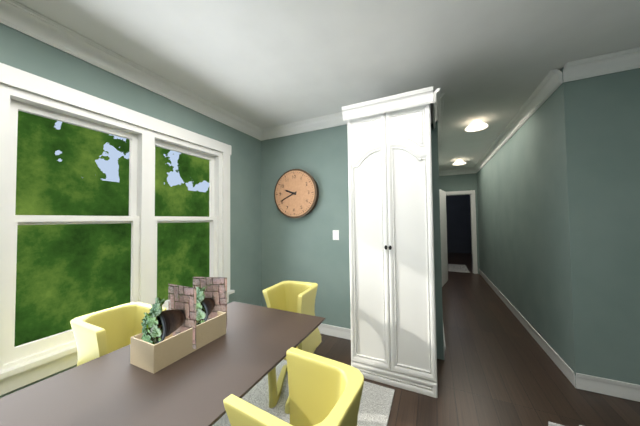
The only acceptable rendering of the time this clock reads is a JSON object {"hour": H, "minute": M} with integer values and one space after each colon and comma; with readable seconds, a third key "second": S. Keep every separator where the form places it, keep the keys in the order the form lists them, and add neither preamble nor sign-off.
{"hour": 9, "minute": 41}
